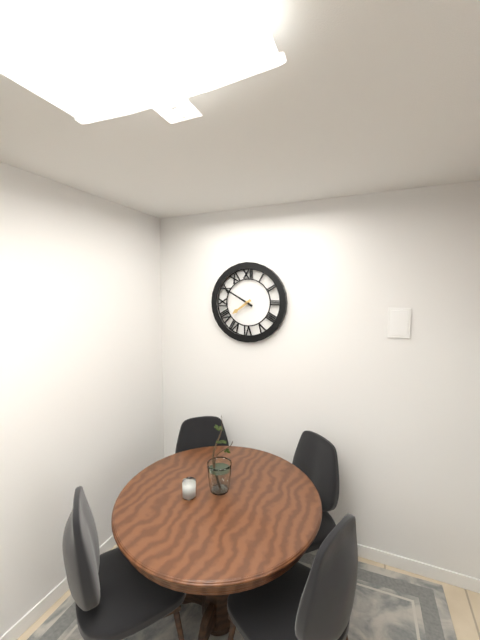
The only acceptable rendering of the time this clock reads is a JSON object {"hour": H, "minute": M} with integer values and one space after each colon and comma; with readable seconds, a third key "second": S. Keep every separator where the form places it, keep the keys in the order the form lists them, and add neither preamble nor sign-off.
{"hour": 7, "minute": 50}
